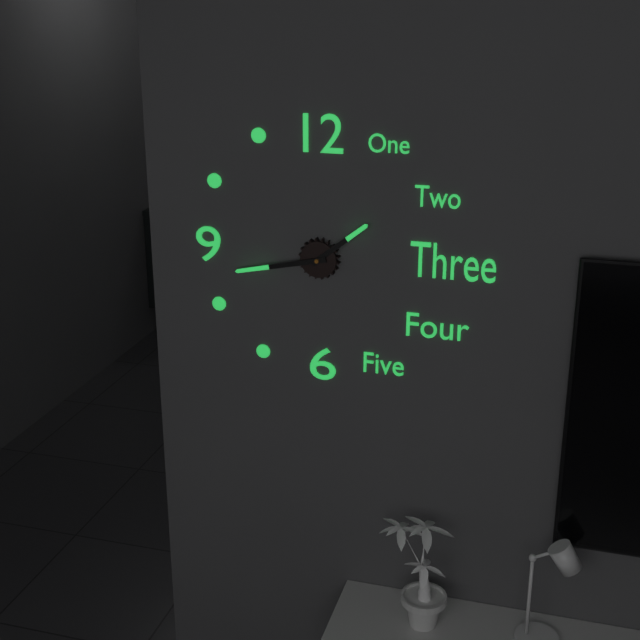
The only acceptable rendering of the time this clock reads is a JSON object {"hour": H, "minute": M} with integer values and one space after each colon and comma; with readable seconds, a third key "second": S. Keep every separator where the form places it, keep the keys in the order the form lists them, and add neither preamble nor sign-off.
{"hour": 1, "minute": 43}
